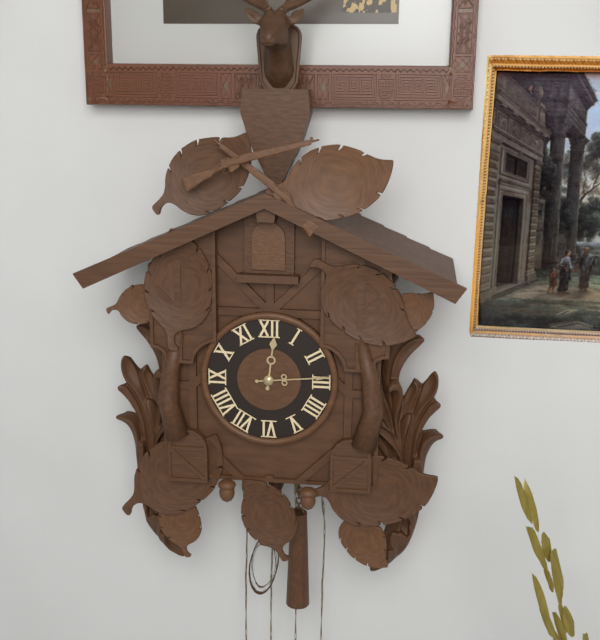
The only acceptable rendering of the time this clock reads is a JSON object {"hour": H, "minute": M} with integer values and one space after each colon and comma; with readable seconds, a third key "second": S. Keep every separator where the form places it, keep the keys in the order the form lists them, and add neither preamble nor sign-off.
{"hour": 12, "minute": 14}
